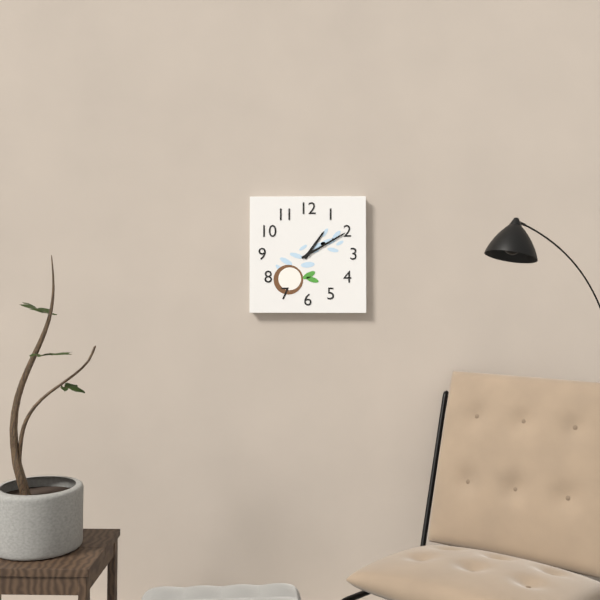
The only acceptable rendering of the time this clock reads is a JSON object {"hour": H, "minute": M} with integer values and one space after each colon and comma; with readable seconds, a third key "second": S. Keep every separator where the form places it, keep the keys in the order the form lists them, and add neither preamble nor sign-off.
{"hour": 1, "minute": 10}
